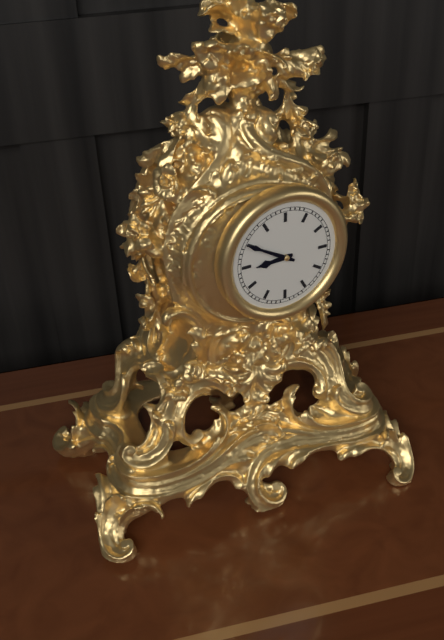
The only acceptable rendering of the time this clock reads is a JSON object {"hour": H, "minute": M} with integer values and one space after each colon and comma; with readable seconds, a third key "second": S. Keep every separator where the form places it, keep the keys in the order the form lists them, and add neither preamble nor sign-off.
{"hour": 8, "minute": 50}
